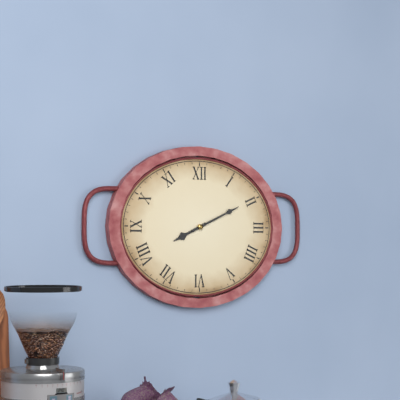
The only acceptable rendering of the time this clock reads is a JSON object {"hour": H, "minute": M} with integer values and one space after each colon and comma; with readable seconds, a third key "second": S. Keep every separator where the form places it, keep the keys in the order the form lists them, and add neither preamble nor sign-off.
{"hour": 8, "minute": 11}
